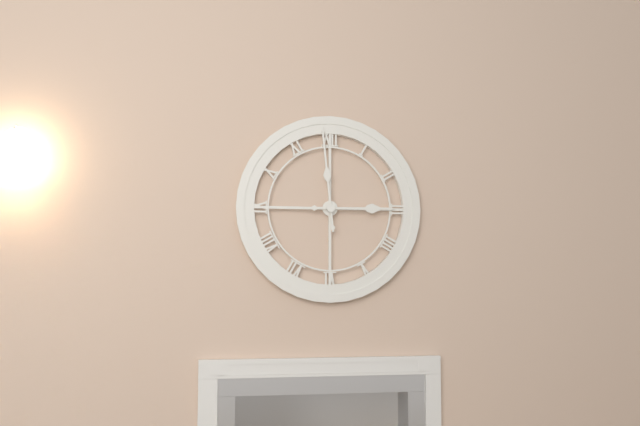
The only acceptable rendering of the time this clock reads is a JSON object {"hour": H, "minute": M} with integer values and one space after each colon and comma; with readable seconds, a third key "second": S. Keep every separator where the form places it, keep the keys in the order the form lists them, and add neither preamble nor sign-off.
{"hour": 2, "minute": 59}
